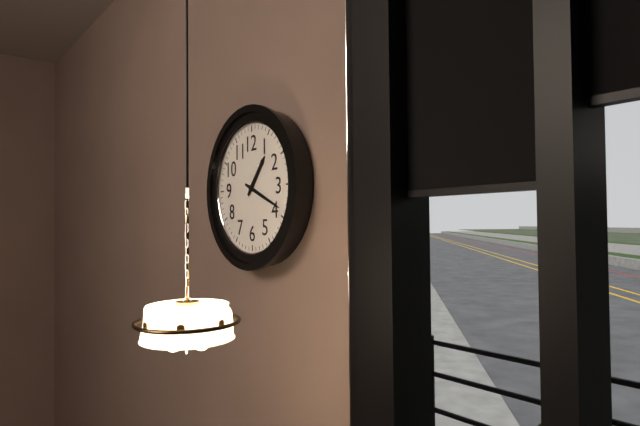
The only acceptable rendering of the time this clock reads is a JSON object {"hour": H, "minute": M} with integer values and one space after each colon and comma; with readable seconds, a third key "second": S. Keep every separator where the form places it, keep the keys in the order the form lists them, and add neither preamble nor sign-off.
{"hour": 1, "minute": 19}
